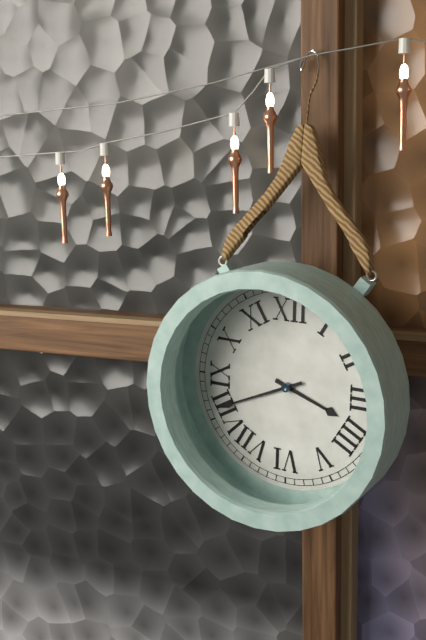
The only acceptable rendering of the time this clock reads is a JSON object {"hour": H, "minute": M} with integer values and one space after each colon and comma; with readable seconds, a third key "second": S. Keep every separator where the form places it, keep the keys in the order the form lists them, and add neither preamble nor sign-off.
{"hour": 3, "minute": 41}
